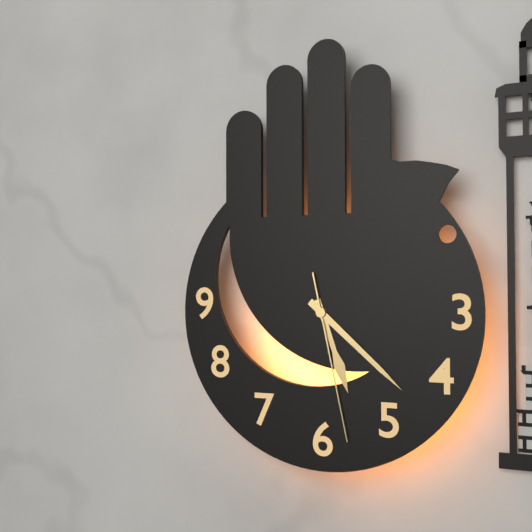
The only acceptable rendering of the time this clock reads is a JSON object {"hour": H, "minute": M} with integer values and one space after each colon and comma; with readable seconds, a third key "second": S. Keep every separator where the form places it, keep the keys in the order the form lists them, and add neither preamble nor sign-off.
{"hour": 5, "minute": 22, "second": 28}
